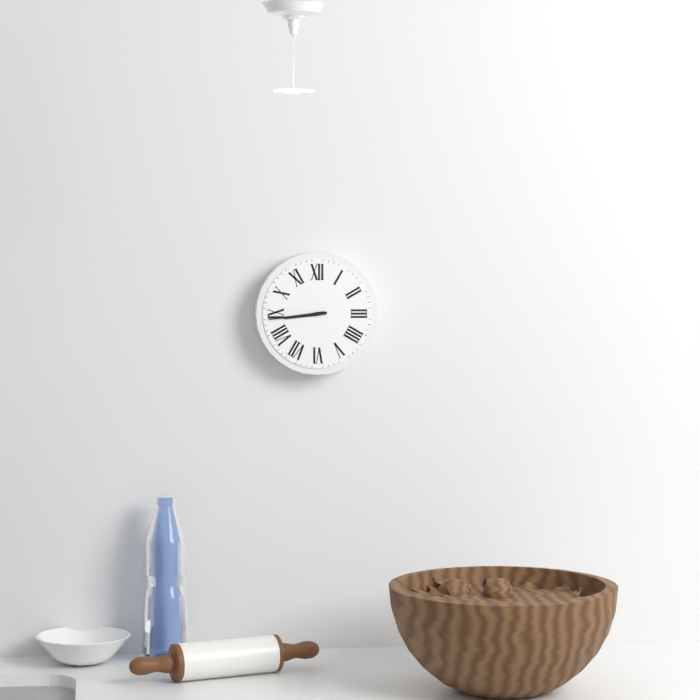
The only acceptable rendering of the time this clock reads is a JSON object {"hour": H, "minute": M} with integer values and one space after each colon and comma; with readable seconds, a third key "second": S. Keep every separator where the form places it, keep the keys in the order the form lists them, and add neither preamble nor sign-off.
{"hour": 8, "minute": 44}
